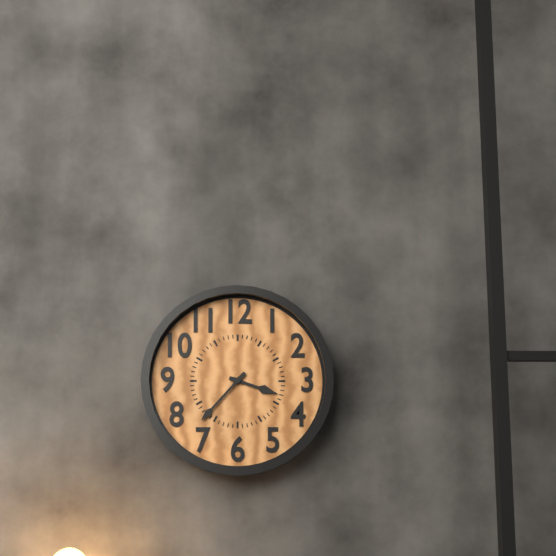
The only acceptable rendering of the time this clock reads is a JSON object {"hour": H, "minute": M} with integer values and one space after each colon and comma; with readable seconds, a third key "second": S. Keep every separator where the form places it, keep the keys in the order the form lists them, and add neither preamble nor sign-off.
{"hour": 3, "minute": 37}
